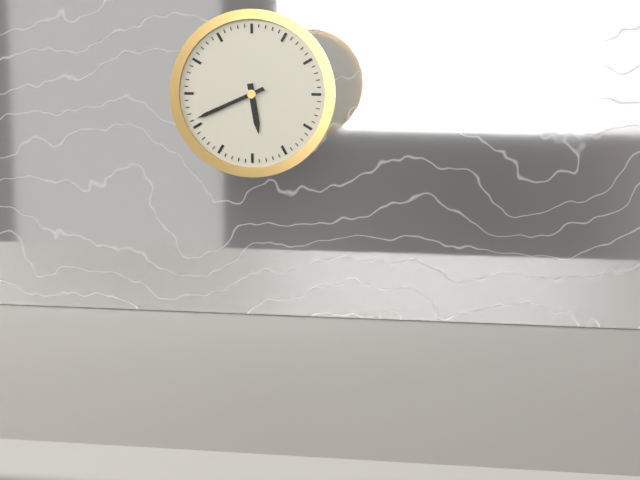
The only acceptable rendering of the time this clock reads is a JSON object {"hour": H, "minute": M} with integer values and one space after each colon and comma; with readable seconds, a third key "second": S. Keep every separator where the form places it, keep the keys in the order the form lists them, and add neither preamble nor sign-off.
{"hour": 5, "minute": 41}
